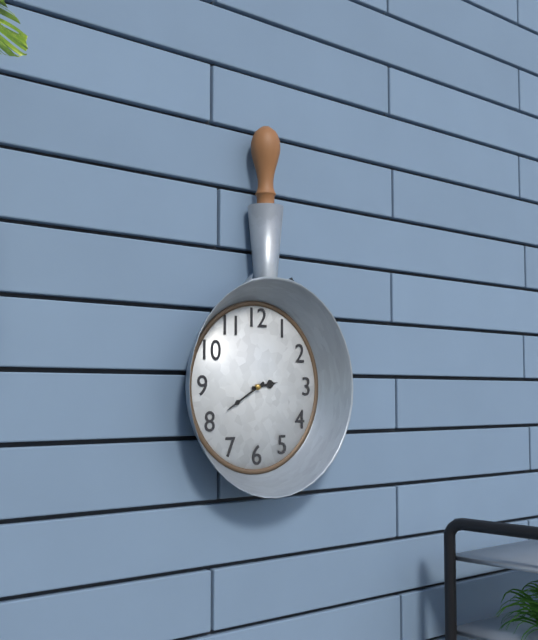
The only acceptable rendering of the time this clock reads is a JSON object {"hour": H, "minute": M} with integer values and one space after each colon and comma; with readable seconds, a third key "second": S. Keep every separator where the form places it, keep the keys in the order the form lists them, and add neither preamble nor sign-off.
{"hour": 2, "minute": 40}
